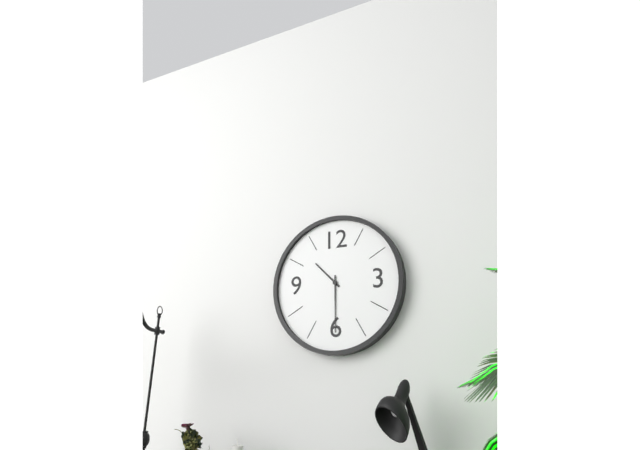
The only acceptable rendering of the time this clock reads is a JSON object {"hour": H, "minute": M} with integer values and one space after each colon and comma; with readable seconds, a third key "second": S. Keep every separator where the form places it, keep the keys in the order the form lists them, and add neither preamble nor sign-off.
{"hour": 10, "minute": 30}
